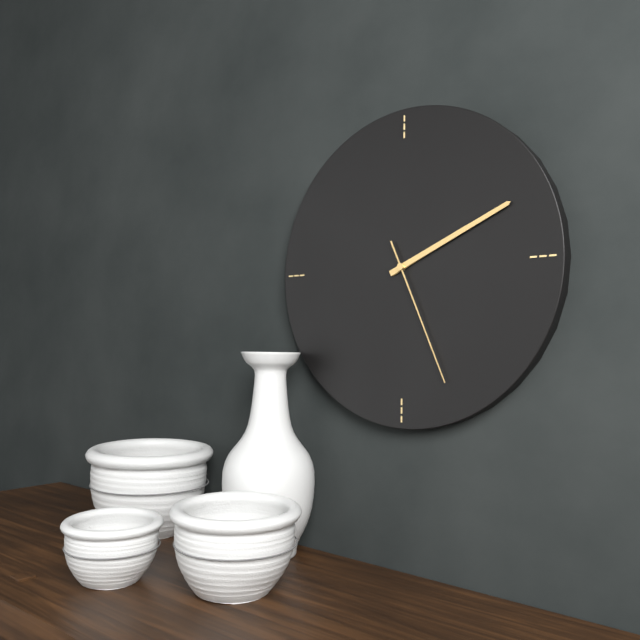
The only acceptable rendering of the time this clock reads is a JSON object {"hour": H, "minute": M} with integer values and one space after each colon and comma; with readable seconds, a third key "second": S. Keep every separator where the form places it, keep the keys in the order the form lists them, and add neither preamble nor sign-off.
{"hour": 2, "minute": 11, "second": 26}
